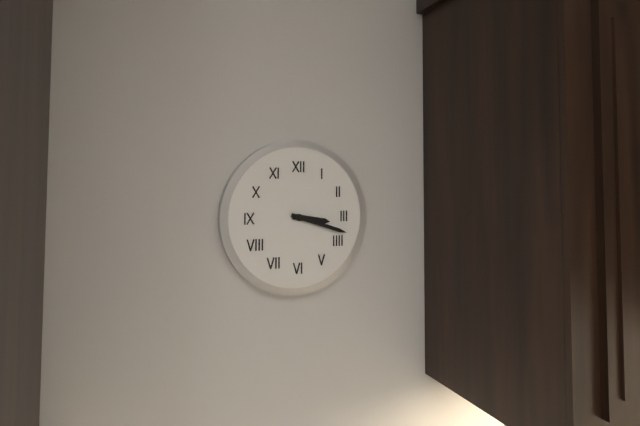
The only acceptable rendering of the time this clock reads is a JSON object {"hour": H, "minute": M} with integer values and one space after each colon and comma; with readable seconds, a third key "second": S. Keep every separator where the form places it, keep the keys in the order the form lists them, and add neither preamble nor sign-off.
{"hour": 3, "minute": 18}
